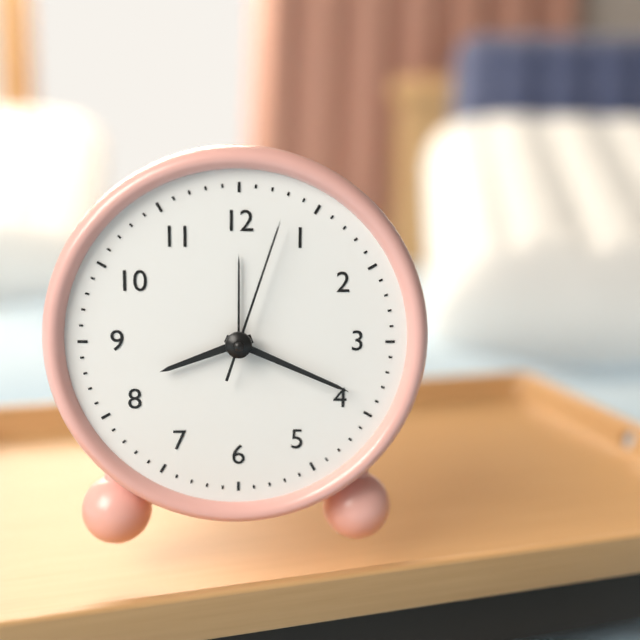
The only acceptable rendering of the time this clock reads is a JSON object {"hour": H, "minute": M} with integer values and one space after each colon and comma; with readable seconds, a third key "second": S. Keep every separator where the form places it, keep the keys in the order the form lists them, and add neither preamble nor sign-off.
{"hour": 8, "minute": 19, "second": 3}
